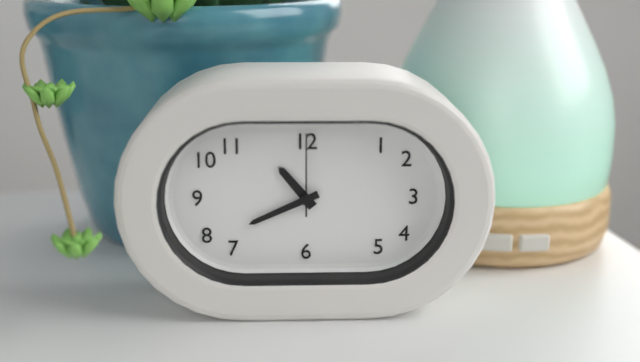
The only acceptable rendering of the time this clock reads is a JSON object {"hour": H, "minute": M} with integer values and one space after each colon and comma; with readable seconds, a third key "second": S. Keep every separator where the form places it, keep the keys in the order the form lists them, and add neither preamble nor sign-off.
{"hour": 10, "minute": 41, "second": 0}
